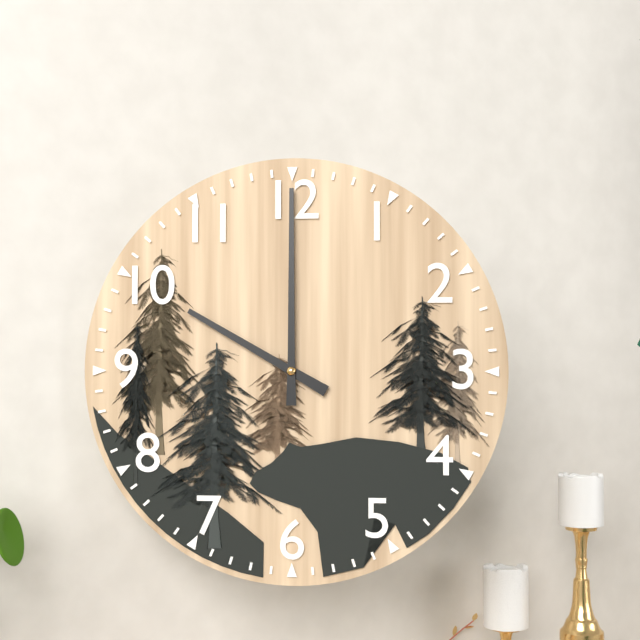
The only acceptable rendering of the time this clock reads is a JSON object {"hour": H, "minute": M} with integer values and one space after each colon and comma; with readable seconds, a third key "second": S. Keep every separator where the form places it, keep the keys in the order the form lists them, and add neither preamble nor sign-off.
{"hour": 10, "minute": 0}
